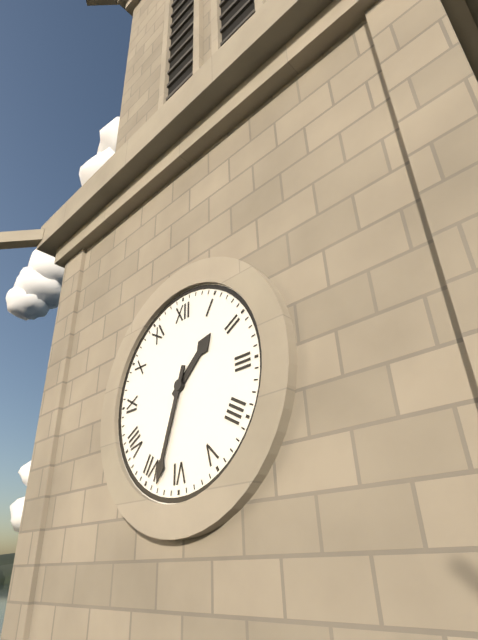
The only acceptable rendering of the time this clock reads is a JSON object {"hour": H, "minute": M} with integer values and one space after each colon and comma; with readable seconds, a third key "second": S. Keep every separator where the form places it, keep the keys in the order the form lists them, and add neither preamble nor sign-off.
{"hour": 1, "minute": 33}
